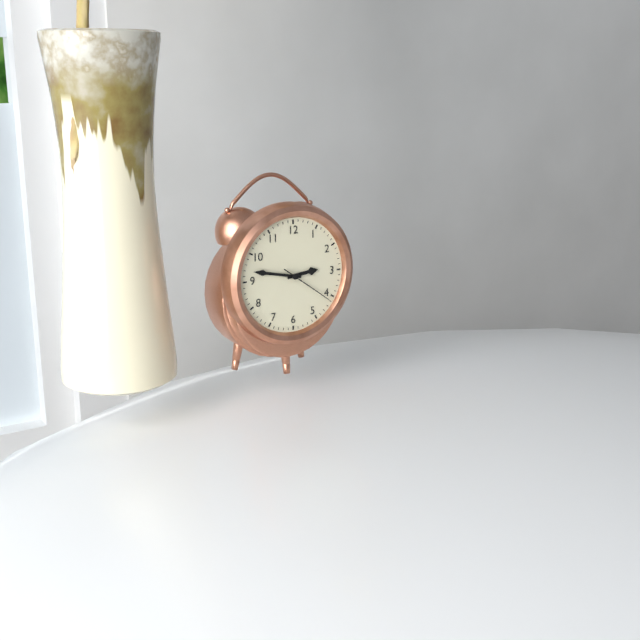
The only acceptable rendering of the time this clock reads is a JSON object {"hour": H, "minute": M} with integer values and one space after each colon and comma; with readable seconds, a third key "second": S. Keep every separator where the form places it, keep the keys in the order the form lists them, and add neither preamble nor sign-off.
{"hour": 2, "minute": 47, "second": 21}
